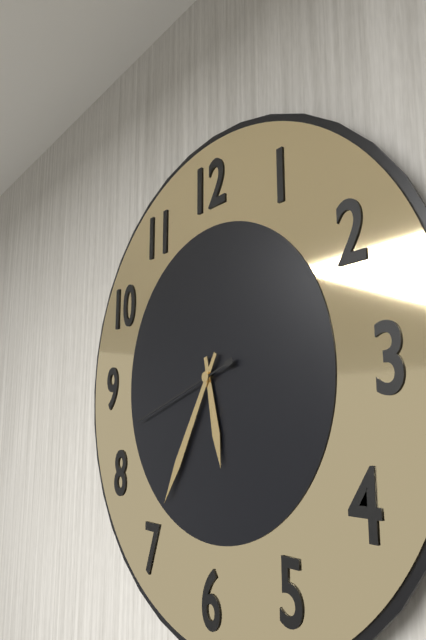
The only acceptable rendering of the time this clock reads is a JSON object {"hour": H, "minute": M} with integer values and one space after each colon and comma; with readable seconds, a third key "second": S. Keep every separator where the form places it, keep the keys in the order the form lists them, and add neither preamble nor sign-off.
{"hour": 5, "minute": 35, "second": 42}
